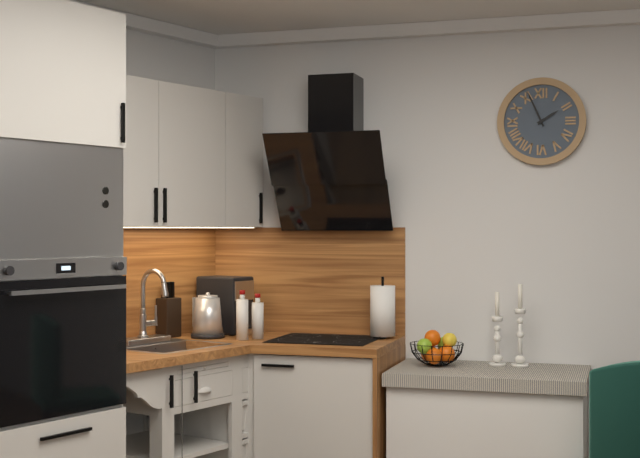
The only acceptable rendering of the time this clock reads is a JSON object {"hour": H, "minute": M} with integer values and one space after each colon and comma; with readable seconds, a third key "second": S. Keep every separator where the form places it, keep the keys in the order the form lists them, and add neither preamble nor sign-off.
{"hour": 1, "minute": 56}
